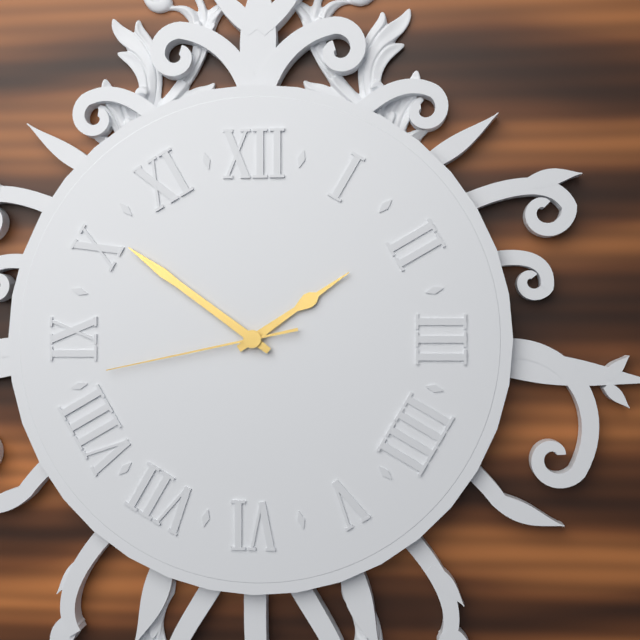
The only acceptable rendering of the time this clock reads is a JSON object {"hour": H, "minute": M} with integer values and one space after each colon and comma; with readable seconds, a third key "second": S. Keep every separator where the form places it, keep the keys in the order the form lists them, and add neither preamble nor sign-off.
{"hour": 1, "minute": 51, "second": 43}
